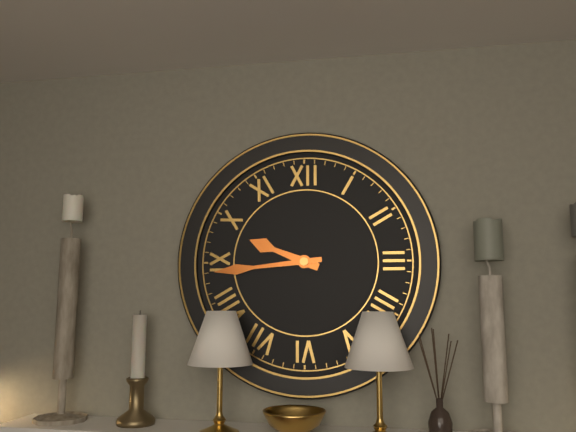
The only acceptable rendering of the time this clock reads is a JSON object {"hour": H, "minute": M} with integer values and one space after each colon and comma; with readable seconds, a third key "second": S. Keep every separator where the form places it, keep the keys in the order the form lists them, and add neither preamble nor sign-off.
{"hour": 9, "minute": 44}
